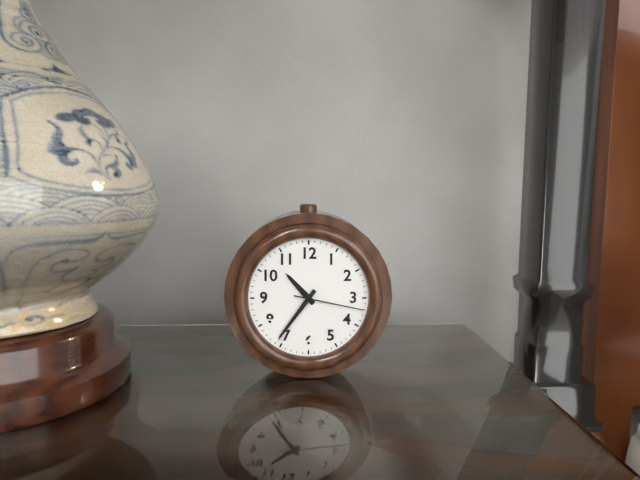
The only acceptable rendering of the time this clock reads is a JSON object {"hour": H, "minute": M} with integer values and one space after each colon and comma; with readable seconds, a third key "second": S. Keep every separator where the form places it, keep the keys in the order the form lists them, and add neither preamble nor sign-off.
{"hour": 10, "minute": 36, "second": 17}
